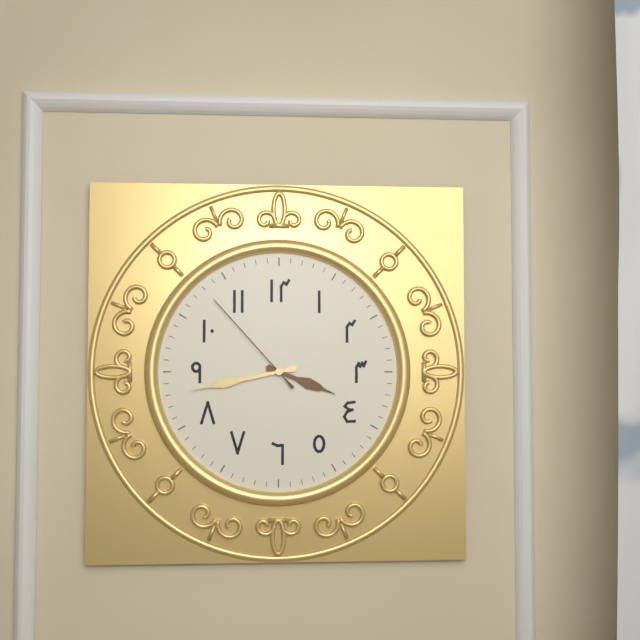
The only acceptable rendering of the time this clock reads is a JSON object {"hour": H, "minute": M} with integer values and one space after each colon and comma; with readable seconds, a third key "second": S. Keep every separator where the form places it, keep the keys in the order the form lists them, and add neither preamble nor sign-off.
{"hour": 3, "minute": 43, "second": 53}
